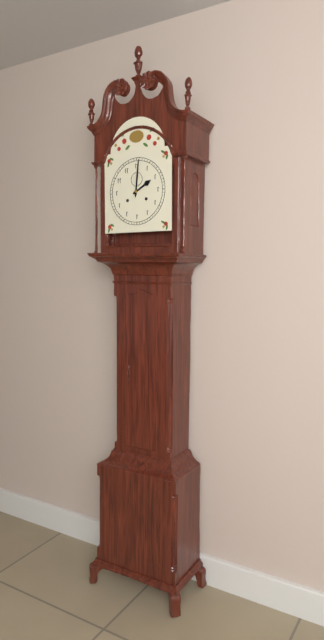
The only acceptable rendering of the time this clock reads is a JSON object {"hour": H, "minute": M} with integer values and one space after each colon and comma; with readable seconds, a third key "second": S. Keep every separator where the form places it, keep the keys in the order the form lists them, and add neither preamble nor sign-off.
{"hour": 2, "minute": 1}
